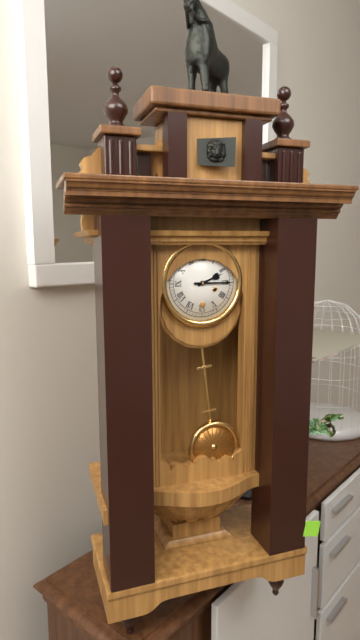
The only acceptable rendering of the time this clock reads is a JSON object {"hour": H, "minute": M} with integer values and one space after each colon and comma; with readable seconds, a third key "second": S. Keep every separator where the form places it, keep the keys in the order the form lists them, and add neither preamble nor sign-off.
{"hour": 2, "minute": 15}
